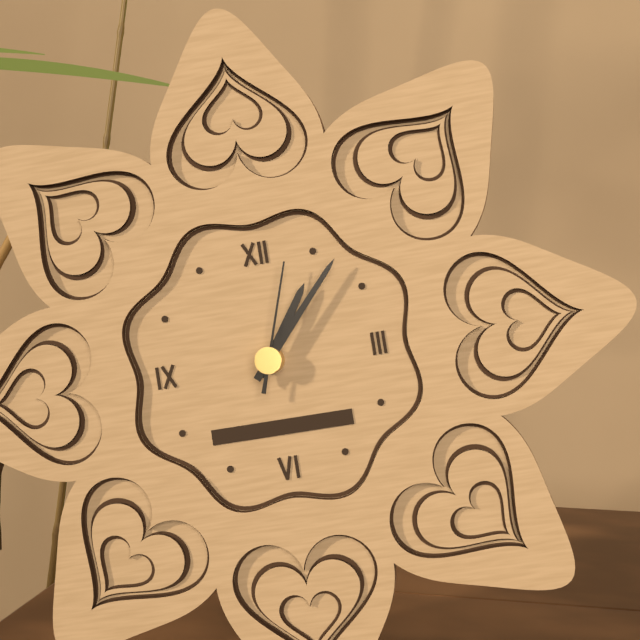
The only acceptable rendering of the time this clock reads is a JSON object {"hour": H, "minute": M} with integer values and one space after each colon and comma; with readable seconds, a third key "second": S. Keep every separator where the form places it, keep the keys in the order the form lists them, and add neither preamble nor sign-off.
{"hour": 1, "minute": 7, "second": 3}
